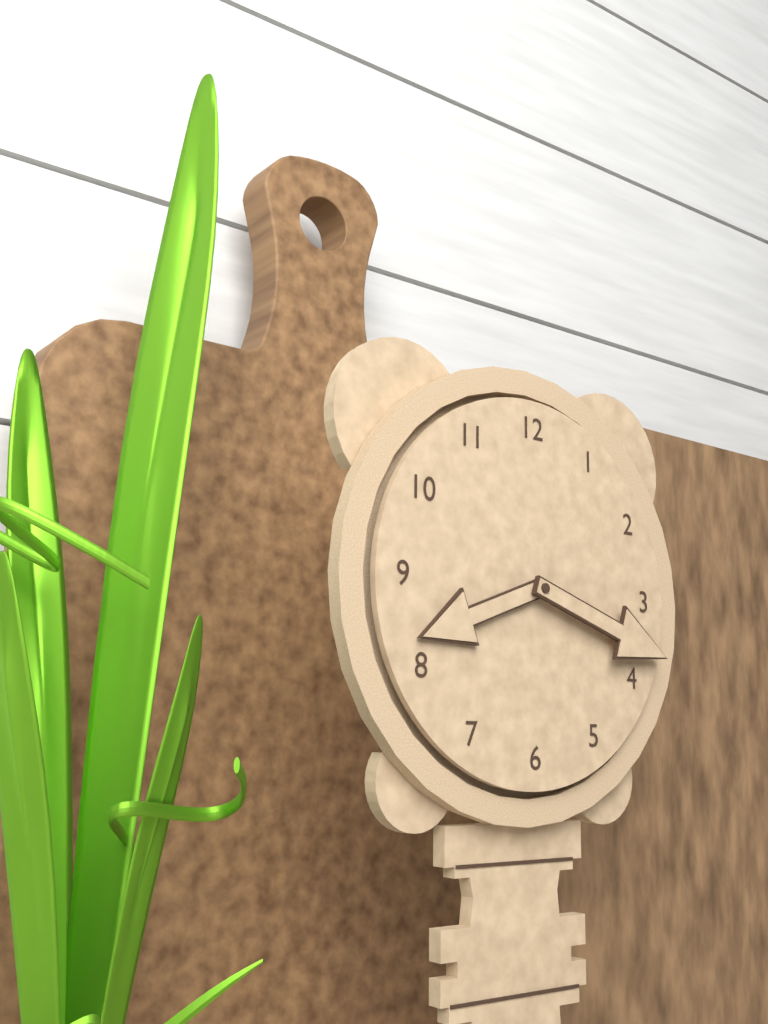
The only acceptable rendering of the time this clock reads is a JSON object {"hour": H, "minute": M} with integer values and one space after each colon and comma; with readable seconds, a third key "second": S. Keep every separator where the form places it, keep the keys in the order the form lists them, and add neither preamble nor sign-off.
{"hour": 8, "minute": 18}
